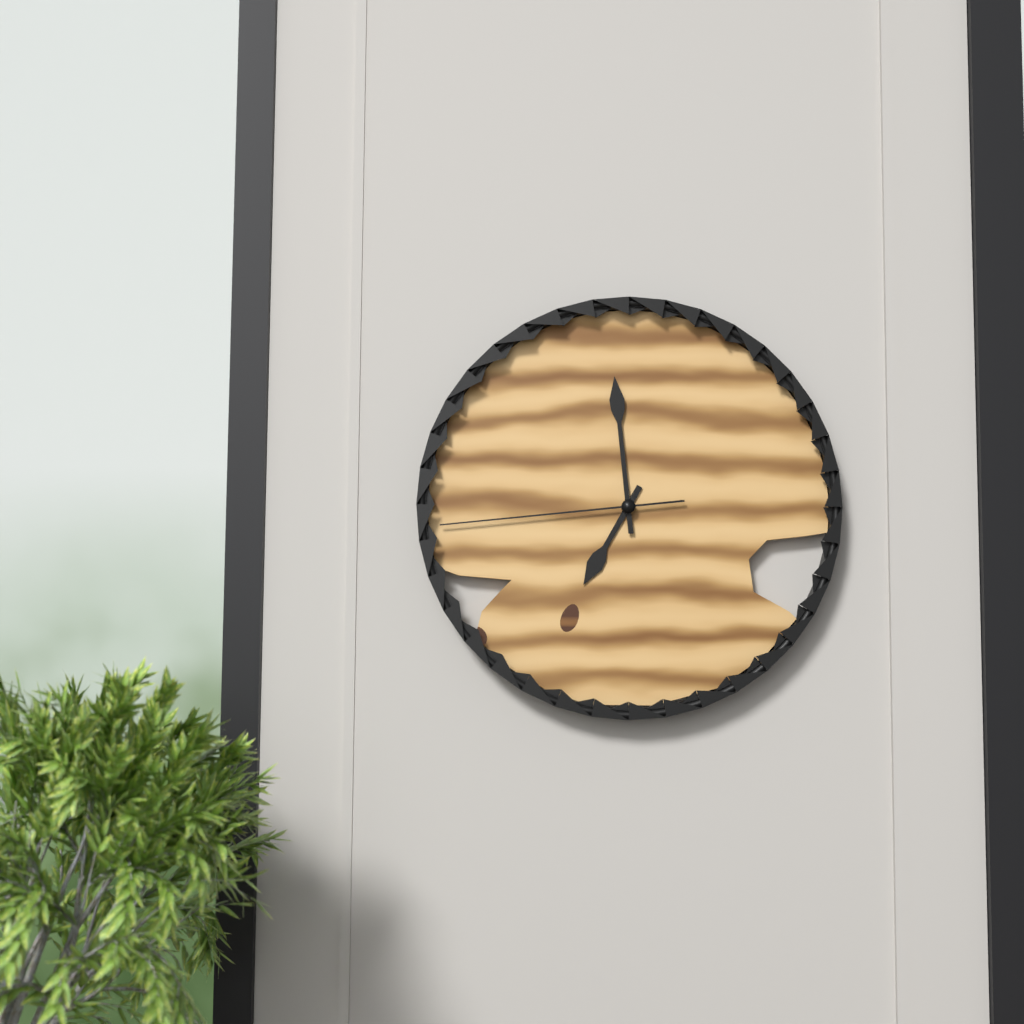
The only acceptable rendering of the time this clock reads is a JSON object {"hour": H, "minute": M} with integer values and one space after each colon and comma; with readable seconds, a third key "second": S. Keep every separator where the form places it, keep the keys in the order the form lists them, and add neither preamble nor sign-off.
{"hour": 6, "minute": 59, "second": 44}
